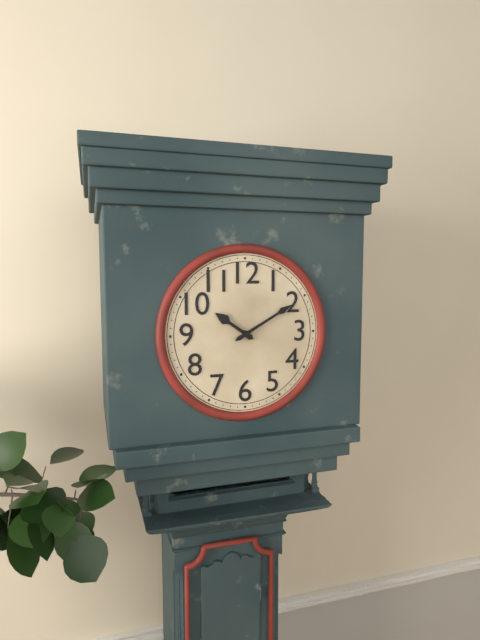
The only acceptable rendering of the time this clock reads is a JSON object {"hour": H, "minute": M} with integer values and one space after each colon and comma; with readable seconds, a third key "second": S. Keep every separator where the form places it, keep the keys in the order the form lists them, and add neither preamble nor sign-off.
{"hour": 10, "minute": 10}
